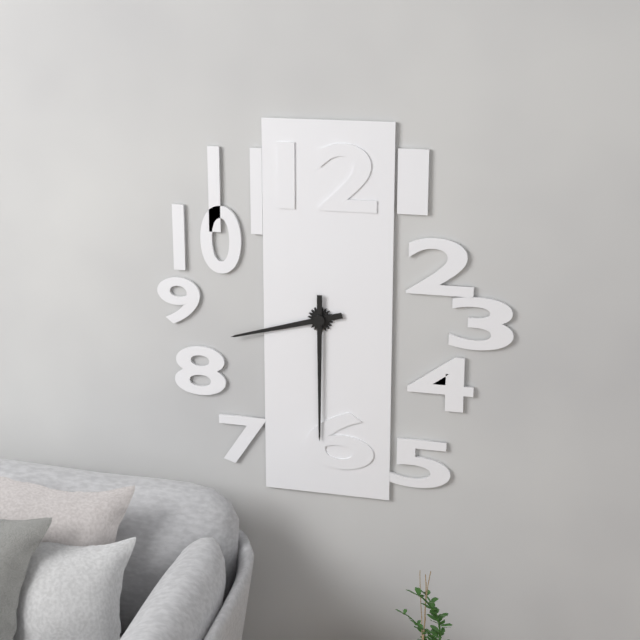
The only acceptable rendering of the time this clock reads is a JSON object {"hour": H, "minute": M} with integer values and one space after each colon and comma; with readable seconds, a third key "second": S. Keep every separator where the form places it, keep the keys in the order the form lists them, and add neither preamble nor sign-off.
{"hour": 8, "minute": 30}
